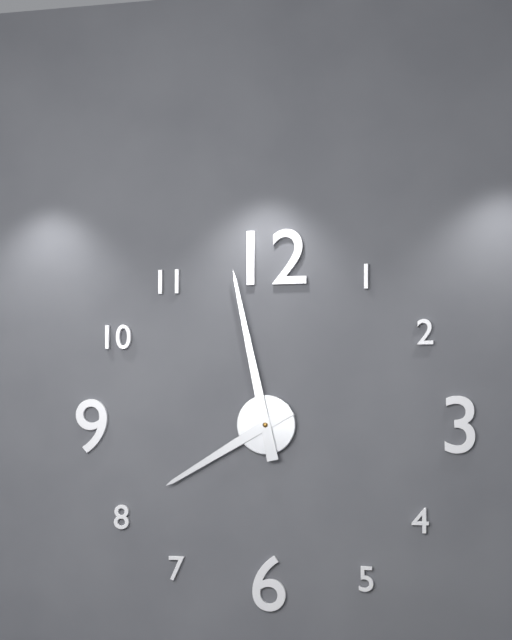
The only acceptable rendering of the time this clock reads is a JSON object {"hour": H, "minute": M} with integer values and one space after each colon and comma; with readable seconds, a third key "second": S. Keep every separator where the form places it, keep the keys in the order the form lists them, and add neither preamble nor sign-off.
{"hour": 7, "minute": 58}
